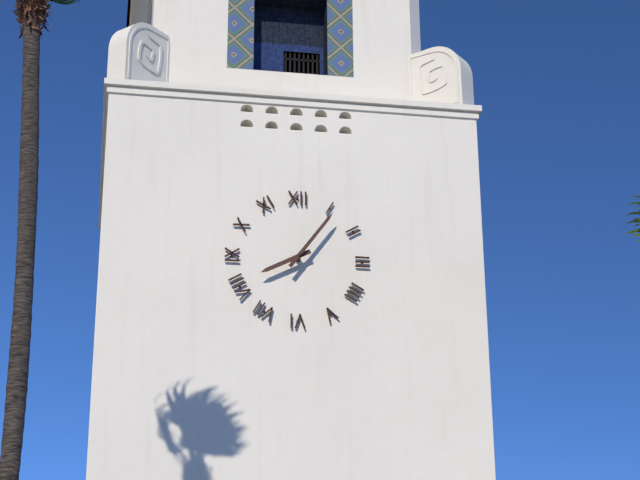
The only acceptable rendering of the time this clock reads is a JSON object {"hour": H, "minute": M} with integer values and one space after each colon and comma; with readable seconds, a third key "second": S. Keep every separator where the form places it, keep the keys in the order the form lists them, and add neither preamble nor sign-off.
{"hour": 8, "minute": 6}
